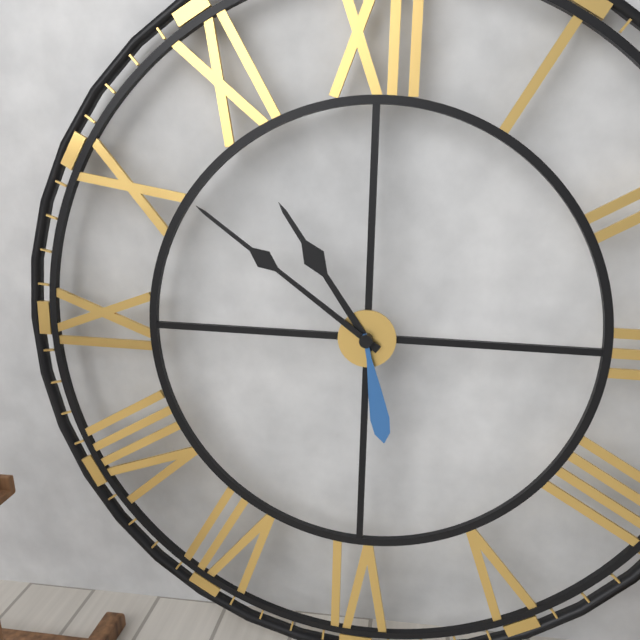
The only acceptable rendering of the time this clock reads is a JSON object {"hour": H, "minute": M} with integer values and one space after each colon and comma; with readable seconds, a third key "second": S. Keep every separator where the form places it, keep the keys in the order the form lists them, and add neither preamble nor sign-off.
{"hour": 10, "minute": 51, "second": 28}
